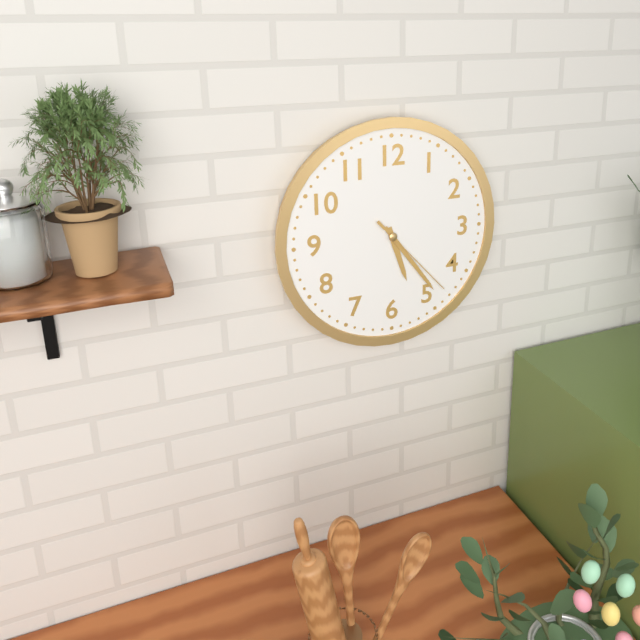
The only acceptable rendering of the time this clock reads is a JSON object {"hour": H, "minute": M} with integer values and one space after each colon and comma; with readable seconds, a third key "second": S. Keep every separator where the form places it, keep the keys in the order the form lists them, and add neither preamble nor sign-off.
{"hour": 5, "minute": 24, "second": 23}
